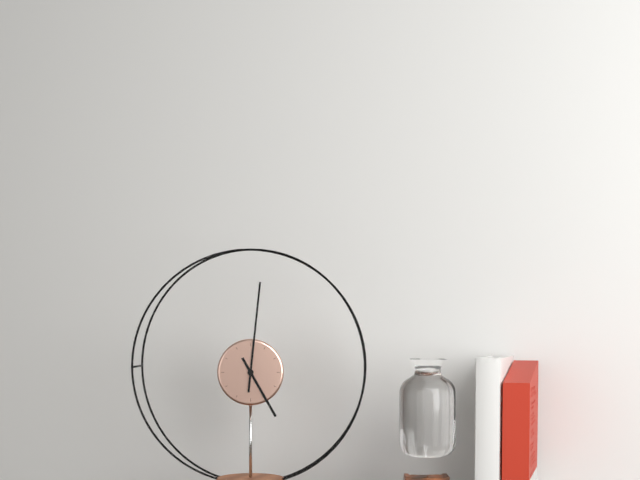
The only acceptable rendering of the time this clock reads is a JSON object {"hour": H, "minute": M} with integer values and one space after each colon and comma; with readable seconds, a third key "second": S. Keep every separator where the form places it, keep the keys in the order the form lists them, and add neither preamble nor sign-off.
{"hour": 5, "minute": 1}
